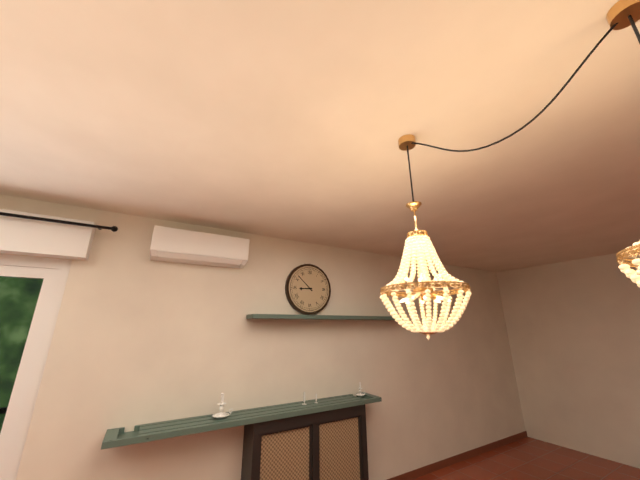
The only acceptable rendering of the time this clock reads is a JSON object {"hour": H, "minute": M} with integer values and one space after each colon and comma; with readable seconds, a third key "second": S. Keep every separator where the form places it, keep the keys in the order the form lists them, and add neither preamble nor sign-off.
{"hour": 8, "minute": 52}
